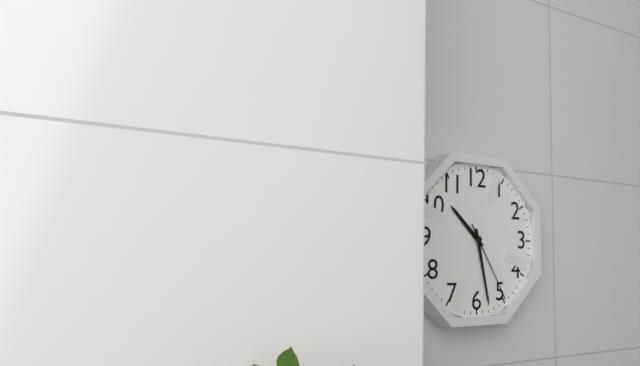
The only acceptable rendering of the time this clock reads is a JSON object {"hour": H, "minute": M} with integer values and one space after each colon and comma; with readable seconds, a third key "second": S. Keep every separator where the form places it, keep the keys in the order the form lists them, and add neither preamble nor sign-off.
{"hour": 10, "minute": 28, "second": 25}
